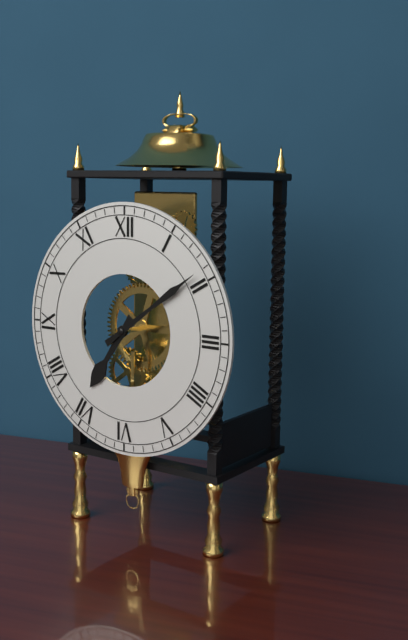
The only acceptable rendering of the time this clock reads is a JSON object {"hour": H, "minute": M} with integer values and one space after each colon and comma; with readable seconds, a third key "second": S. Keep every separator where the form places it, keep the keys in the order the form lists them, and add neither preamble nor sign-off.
{"hour": 7, "minute": 9}
